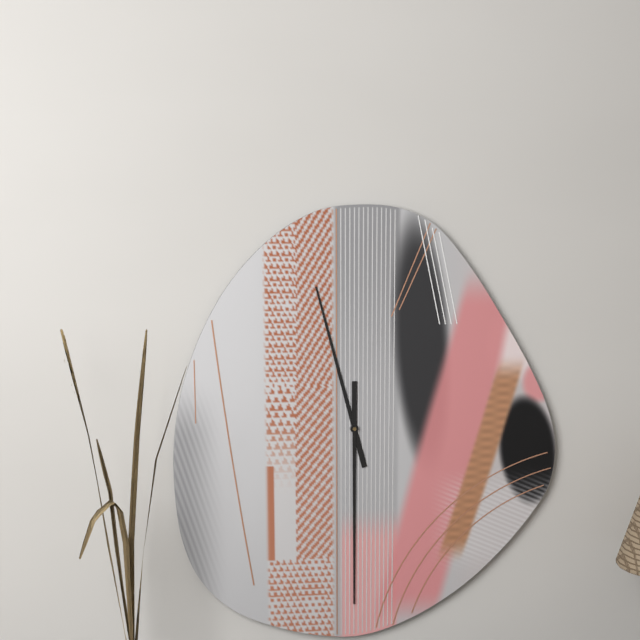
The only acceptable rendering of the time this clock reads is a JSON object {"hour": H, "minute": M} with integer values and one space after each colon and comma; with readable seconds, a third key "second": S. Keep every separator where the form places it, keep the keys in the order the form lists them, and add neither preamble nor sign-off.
{"hour": 11, "minute": 30}
